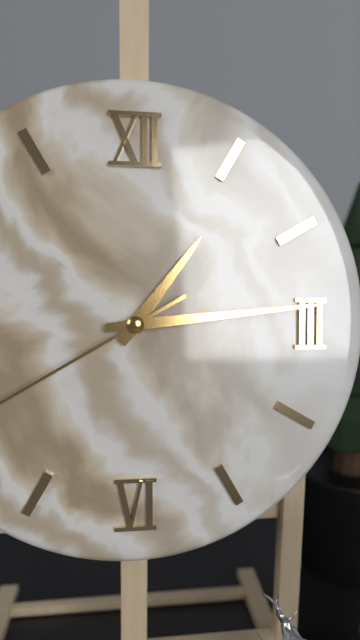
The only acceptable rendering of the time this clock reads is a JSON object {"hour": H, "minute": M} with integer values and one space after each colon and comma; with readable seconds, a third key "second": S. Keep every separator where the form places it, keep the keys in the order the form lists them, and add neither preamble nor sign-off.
{"hour": 1, "minute": 14}
